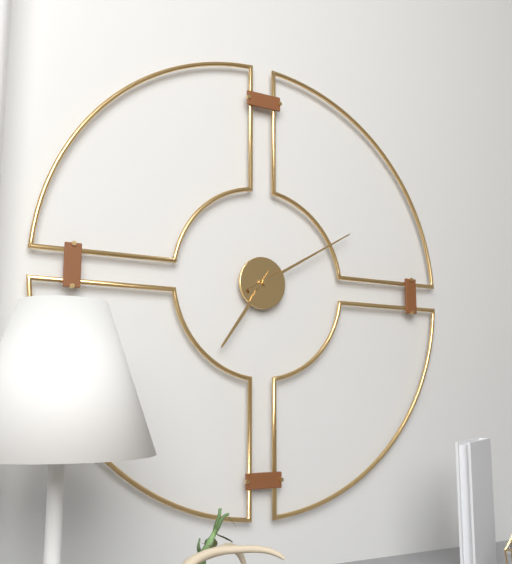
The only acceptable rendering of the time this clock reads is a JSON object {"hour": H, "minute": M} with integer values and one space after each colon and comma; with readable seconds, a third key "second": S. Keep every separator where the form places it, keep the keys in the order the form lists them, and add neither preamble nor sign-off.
{"hour": 7, "minute": 10}
